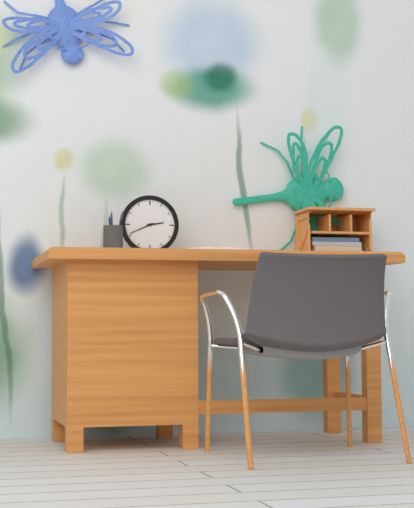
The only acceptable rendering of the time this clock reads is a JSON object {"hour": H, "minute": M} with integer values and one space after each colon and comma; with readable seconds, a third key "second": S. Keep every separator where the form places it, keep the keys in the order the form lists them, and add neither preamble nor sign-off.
{"hour": 2, "minute": 41}
